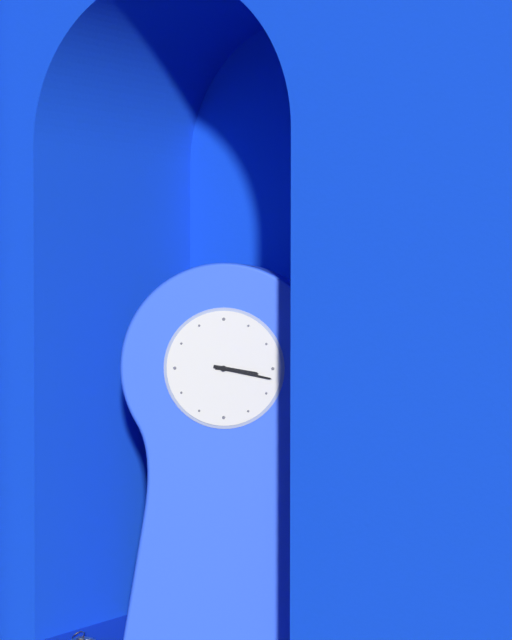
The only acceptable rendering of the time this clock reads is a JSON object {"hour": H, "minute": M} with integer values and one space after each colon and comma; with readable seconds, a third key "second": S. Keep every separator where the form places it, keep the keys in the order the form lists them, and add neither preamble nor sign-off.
{"hour": 3, "minute": 17}
